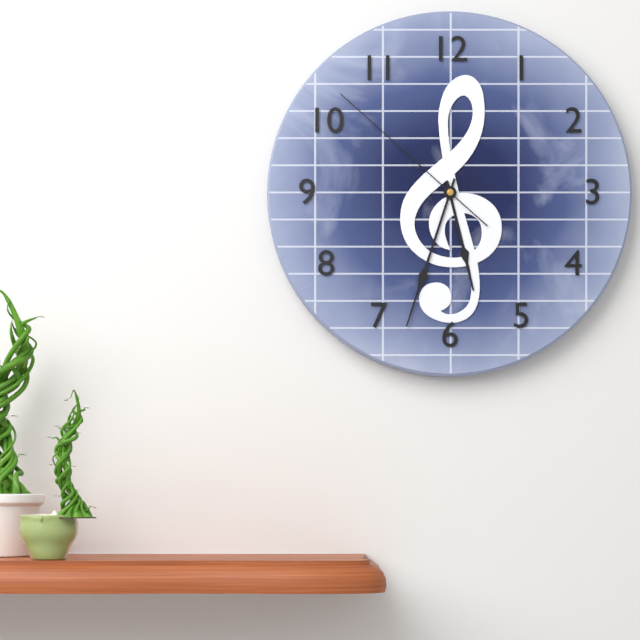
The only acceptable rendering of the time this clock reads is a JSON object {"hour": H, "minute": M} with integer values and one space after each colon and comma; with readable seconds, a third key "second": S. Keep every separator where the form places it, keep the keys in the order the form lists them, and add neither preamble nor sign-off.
{"hour": 5, "minute": 33, "second": 52}
